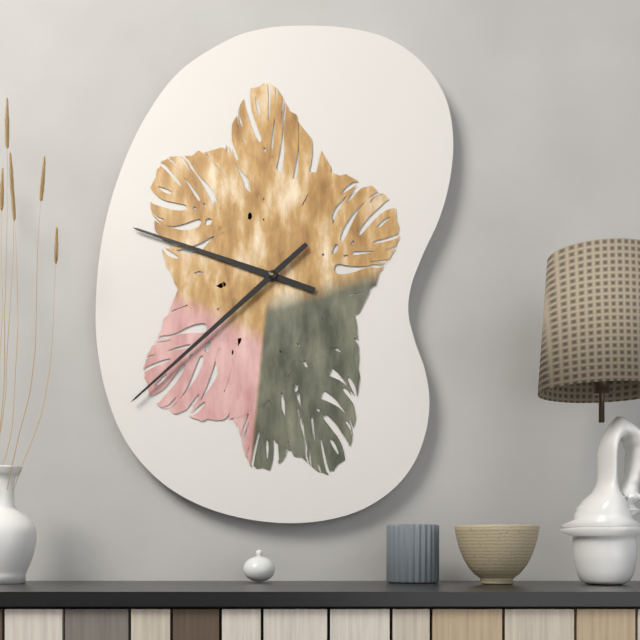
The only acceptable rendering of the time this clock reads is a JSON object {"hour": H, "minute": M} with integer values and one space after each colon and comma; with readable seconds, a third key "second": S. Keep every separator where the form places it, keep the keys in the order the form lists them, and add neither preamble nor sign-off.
{"hour": 9, "minute": 38}
